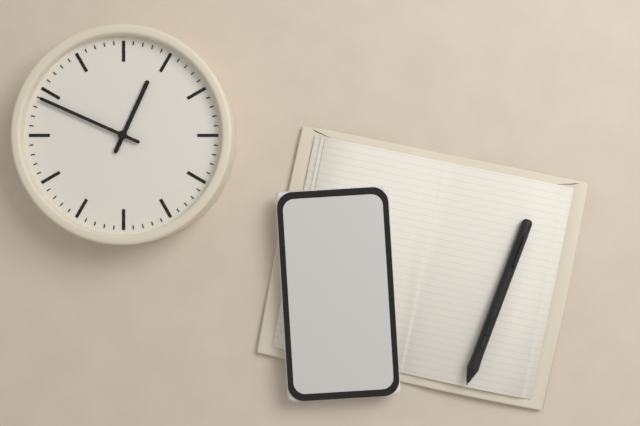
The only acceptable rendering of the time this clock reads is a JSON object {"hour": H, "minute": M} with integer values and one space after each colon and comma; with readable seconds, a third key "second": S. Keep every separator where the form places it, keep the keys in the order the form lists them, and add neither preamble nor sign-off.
{"hour": 12, "minute": 49}
